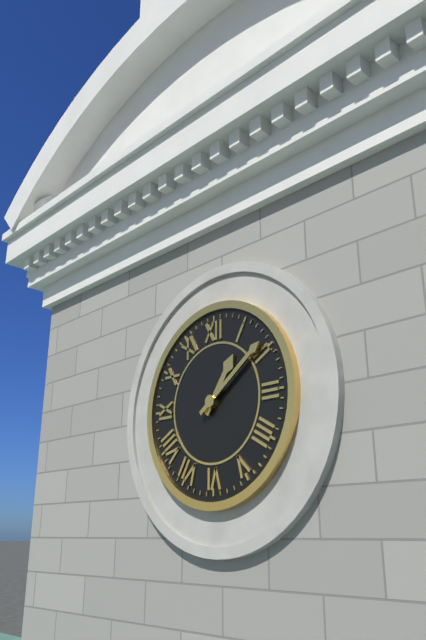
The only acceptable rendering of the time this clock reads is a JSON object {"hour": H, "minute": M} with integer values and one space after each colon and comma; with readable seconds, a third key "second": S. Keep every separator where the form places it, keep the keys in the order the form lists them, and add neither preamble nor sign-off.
{"hour": 1, "minute": 9}
